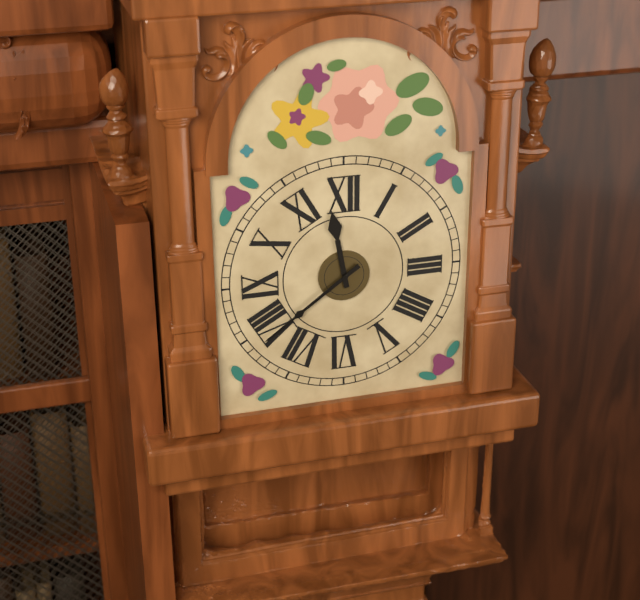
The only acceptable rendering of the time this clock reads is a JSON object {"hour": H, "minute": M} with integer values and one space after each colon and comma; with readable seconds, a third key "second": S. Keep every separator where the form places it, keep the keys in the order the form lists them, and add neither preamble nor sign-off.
{"hour": 11, "minute": 39}
